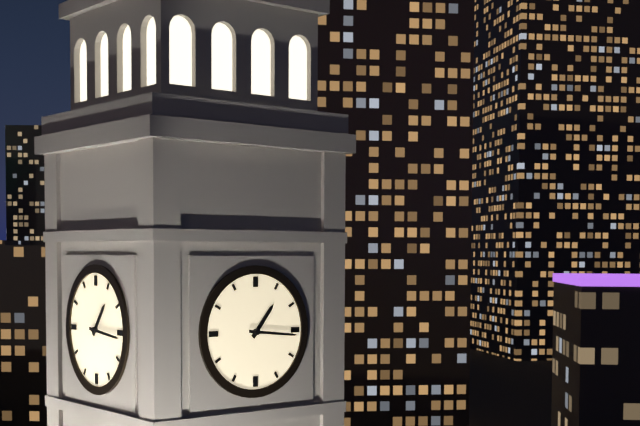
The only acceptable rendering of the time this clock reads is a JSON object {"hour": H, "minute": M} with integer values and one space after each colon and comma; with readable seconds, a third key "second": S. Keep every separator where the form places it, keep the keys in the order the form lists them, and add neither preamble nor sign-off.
{"hour": 1, "minute": 16}
